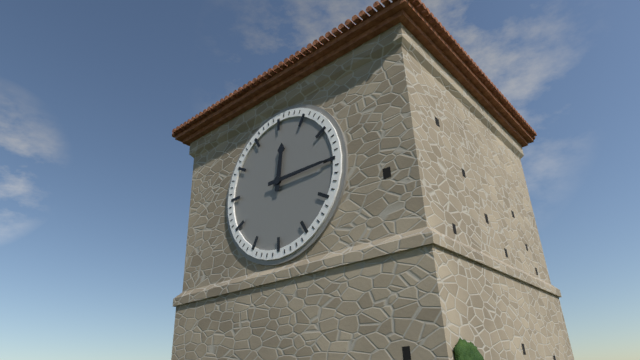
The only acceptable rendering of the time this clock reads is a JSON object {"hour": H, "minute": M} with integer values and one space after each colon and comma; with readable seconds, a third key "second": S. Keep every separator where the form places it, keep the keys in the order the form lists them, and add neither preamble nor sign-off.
{"hour": 12, "minute": 15}
